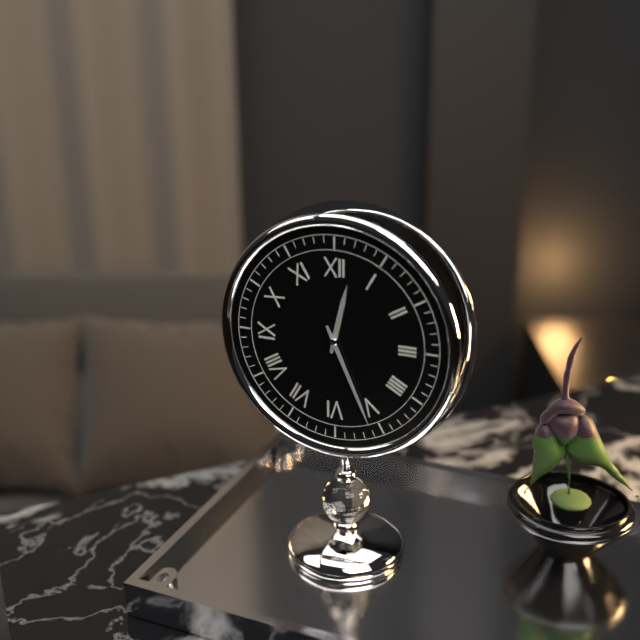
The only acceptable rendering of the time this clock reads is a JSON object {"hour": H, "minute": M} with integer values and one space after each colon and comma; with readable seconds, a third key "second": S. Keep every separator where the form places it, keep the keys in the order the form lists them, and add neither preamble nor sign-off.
{"hour": 12, "minute": 26}
